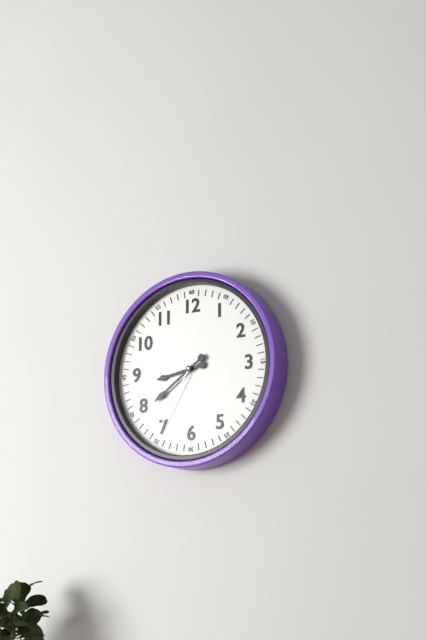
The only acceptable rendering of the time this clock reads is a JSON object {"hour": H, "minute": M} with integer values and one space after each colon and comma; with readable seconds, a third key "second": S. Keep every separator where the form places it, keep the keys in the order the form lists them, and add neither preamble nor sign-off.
{"hour": 8, "minute": 39, "second": 35}
